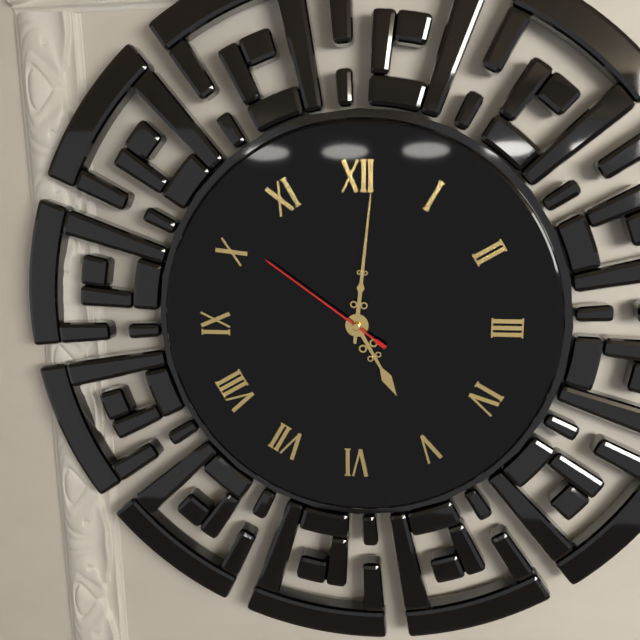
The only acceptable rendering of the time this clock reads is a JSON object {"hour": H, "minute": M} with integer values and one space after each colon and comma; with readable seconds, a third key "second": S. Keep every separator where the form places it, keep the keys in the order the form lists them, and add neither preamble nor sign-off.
{"hour": 5, "minute": 1, "second": 51}
